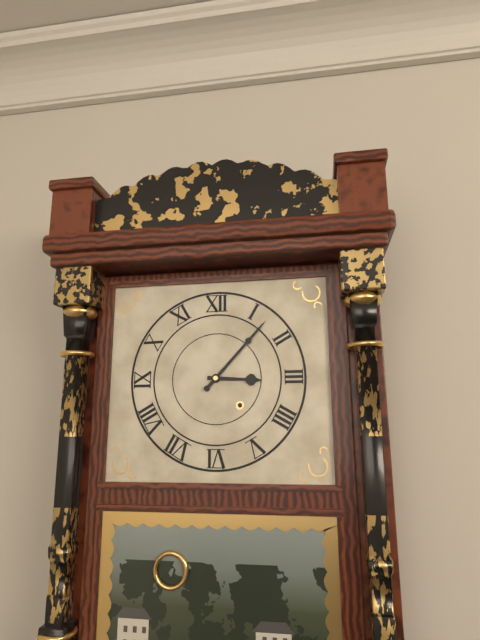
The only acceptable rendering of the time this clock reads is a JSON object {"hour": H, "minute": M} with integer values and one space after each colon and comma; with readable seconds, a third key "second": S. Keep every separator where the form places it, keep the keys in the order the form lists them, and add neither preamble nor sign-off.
{"hour": 3, "minute": 7}
